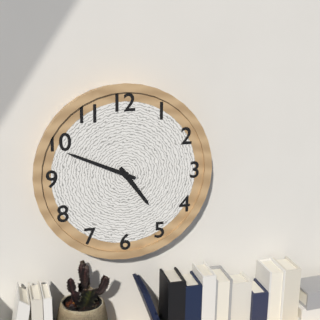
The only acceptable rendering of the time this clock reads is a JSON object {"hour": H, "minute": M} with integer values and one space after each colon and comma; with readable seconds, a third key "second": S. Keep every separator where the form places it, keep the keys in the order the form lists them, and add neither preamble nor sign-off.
{"hour": 4, "minute": 49}
